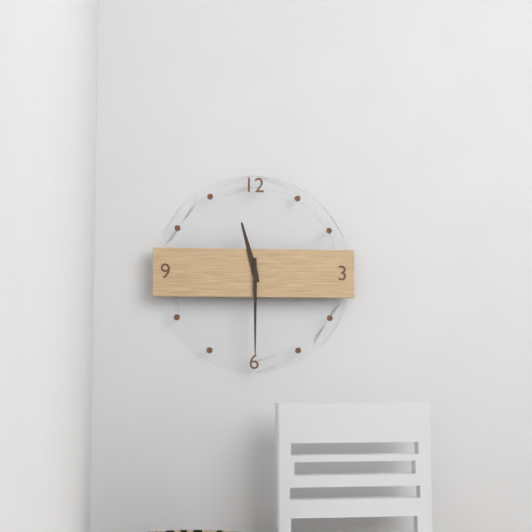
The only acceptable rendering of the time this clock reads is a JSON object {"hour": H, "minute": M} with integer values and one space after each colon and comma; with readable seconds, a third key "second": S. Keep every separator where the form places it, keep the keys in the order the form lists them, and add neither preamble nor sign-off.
{"hour": 11, "minute": 30}
